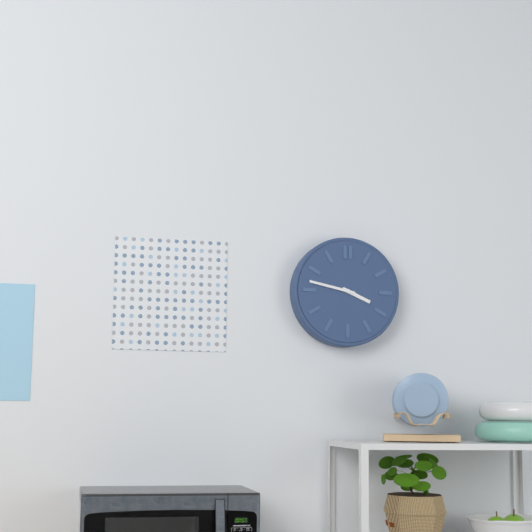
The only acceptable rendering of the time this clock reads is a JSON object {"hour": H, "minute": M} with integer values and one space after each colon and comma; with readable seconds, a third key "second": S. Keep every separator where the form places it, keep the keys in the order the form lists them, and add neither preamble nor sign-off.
{"hour": 3, "minute": 47}
